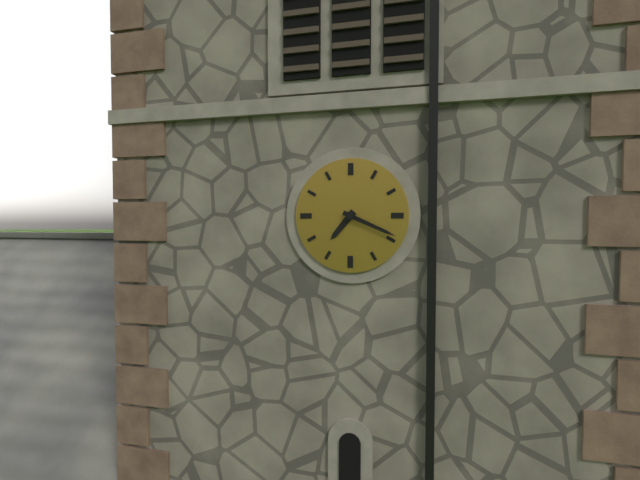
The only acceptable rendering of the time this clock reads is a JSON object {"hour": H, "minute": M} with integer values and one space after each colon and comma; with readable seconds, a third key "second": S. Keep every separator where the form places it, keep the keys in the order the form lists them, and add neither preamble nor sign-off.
{"hour": 7, "minute": 19}
